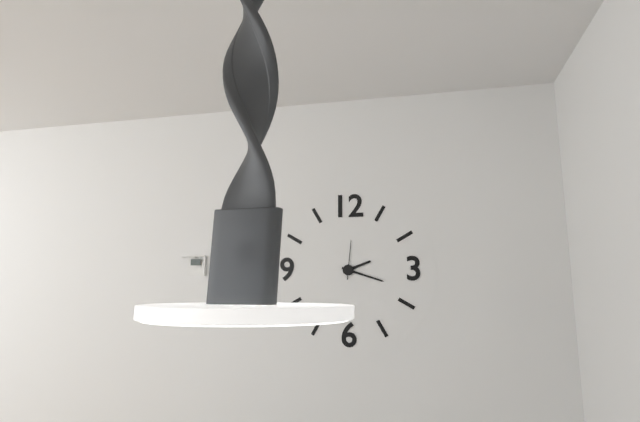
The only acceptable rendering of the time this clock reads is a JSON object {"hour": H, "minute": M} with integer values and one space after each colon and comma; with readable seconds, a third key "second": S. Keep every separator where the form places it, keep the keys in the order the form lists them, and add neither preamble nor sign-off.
{"hour": 2, "minute": 18}
